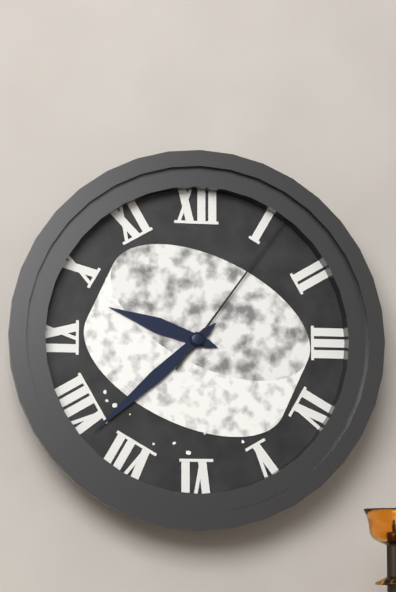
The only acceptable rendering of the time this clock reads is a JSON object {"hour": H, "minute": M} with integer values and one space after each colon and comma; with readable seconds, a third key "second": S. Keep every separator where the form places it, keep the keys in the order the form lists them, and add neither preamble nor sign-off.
{"hour": 9, "minute": 38, "second": 6}
